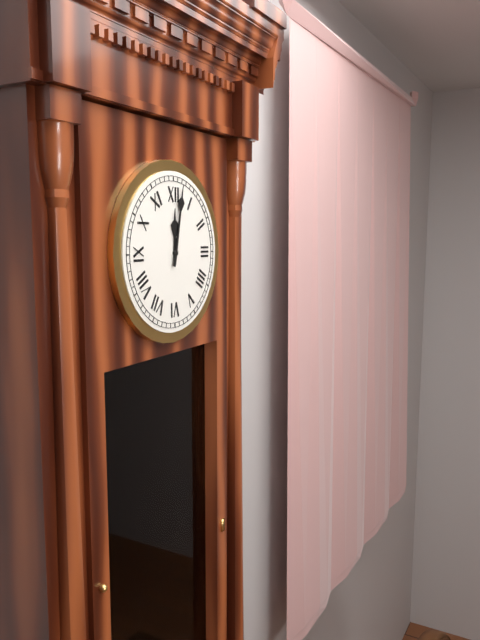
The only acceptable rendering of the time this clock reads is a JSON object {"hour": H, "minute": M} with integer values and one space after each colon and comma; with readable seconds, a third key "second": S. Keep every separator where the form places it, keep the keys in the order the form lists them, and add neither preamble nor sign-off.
{"hour": 12, "minute": 2}
